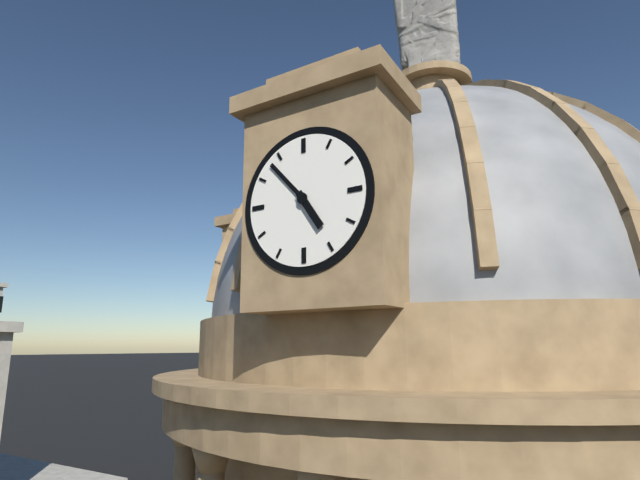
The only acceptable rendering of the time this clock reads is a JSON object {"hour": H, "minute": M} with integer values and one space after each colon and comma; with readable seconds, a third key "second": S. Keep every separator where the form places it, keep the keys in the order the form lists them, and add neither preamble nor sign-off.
{"hour": 4, "minute": 53}
